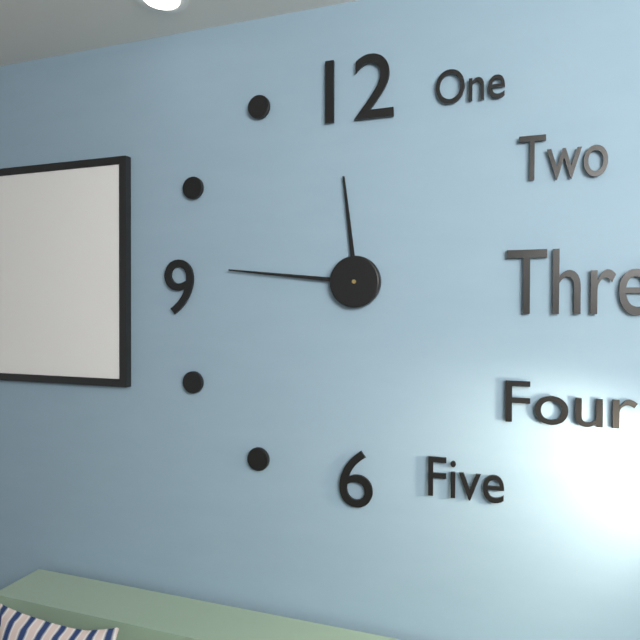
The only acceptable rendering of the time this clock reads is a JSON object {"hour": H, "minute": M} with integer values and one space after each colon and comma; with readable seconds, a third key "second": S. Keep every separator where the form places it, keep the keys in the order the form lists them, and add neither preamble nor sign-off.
{"hour": 11, "minute": 46}
